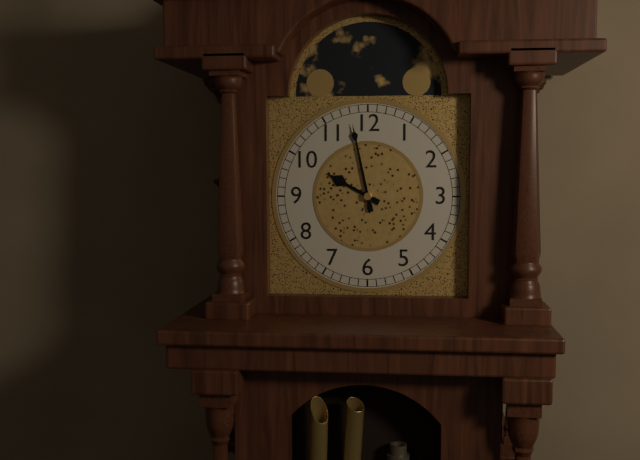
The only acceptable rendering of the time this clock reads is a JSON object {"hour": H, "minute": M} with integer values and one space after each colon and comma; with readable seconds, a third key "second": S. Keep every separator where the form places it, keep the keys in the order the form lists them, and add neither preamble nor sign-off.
{"hour": 9, "minute": 58}
